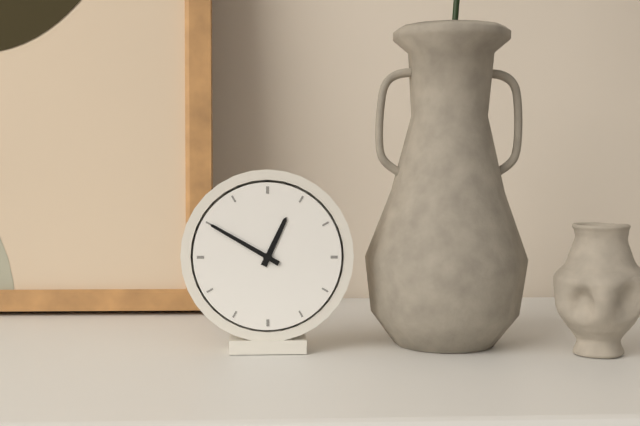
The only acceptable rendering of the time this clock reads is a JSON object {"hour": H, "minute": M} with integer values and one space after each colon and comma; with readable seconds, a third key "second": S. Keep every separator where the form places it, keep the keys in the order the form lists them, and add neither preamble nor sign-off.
{"hour": 12, "minute": 50}
